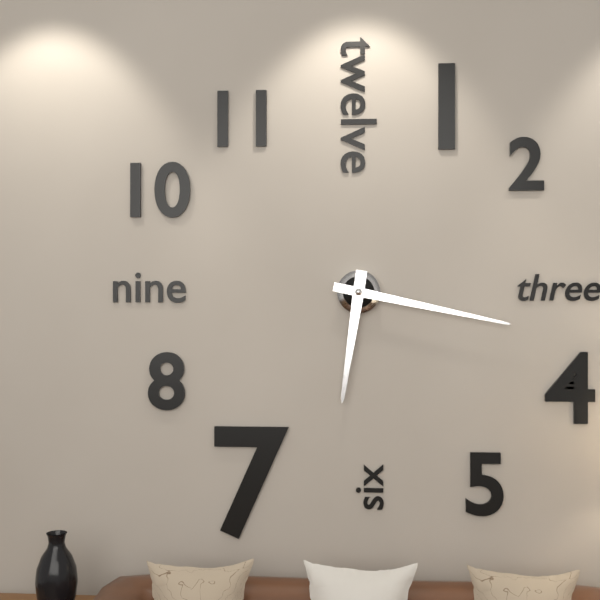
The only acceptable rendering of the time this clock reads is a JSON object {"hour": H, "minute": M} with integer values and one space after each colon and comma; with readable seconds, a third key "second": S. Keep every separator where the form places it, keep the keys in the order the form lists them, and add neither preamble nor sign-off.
{"hour": 6, "minute": 17}
